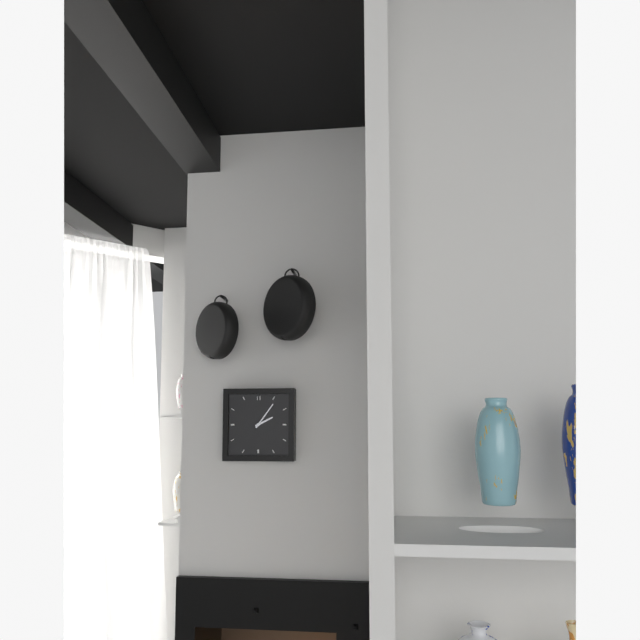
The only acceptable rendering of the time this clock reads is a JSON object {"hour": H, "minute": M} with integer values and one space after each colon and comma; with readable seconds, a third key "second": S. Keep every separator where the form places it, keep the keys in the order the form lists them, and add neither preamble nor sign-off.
{"hour": 2, "minute": 6}
